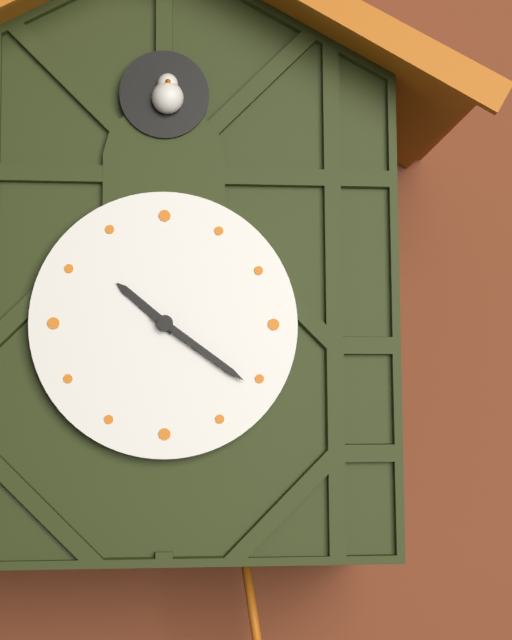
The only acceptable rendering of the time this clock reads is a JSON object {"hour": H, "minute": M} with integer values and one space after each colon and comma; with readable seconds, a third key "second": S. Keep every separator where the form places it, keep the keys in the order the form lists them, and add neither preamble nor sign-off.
{"hour": 10, "minute": 21}
